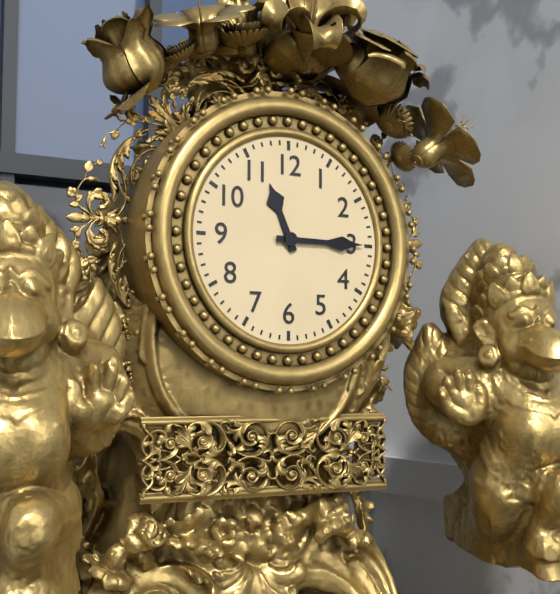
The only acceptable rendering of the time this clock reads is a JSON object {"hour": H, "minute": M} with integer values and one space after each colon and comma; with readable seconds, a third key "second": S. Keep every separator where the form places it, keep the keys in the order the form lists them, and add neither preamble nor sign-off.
{"hour": 11, "minute": 15}
